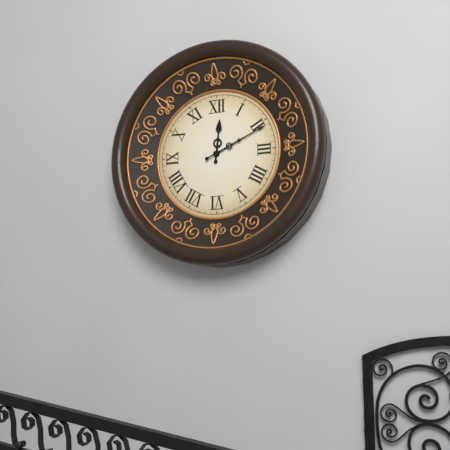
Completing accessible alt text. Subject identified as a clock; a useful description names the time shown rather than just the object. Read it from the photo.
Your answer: 12:11
